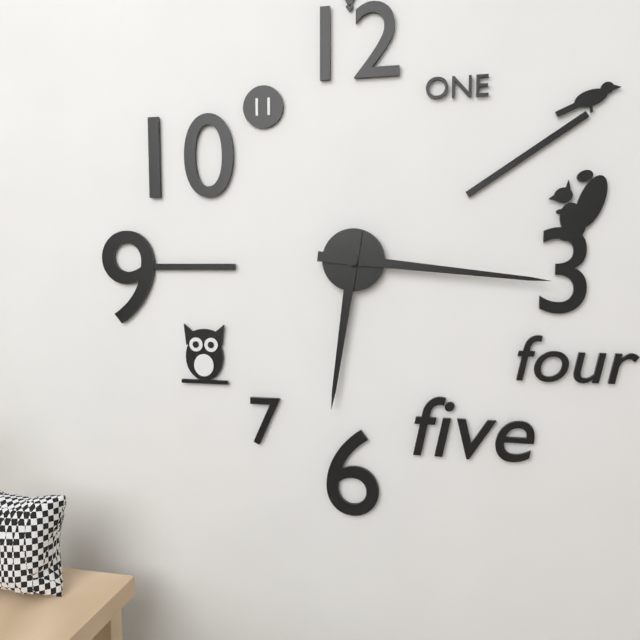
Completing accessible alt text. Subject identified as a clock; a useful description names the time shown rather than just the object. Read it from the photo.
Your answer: 6:16
